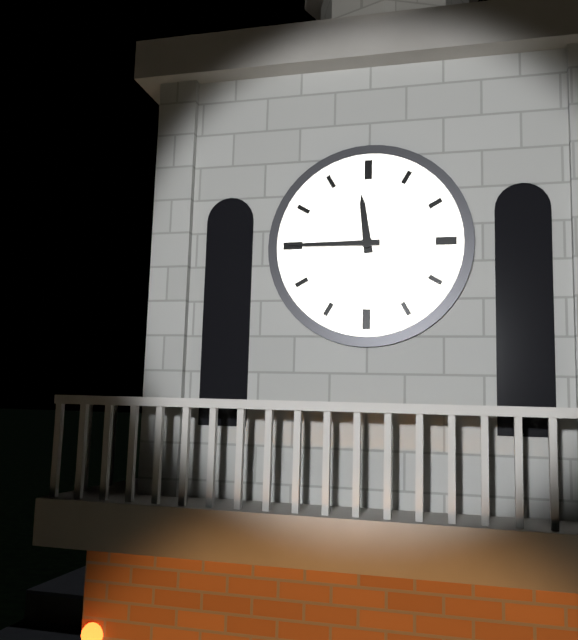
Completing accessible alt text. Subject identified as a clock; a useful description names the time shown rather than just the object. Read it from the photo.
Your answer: 11:45
